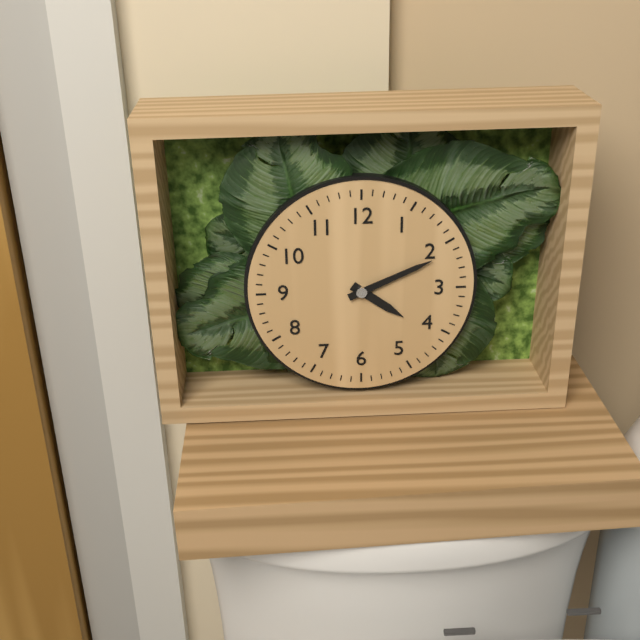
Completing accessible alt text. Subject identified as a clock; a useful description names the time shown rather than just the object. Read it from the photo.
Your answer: 4:11
